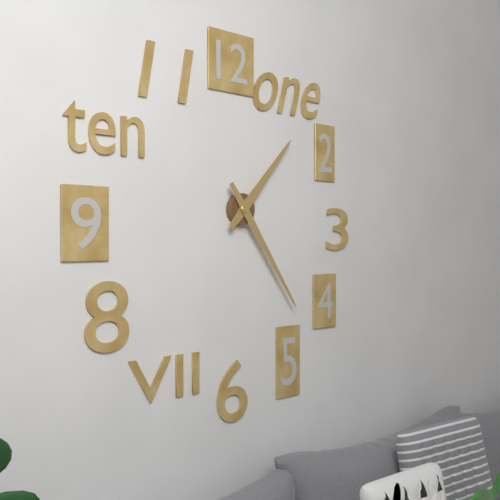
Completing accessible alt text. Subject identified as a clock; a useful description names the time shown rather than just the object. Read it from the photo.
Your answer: 1:24
